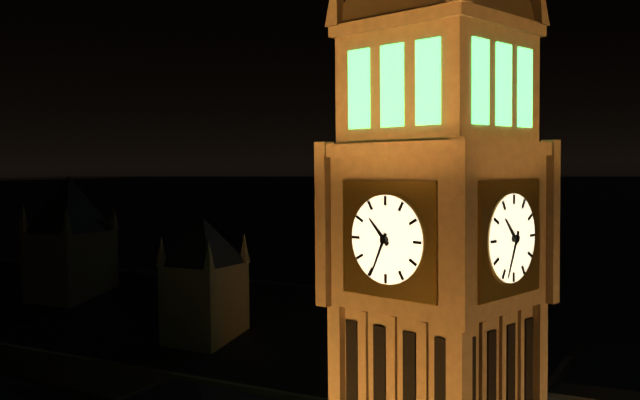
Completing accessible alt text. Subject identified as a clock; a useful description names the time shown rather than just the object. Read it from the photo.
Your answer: 10:34
